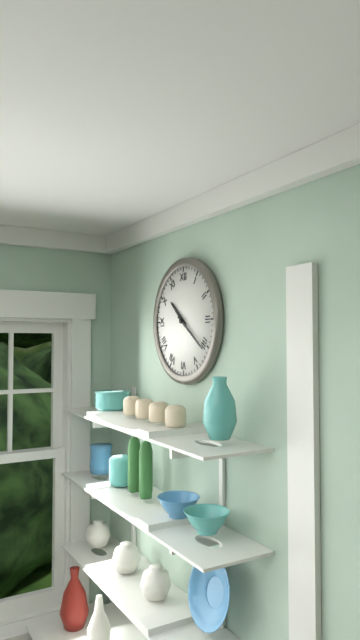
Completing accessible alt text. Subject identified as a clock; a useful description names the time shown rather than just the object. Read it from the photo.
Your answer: 10:21
